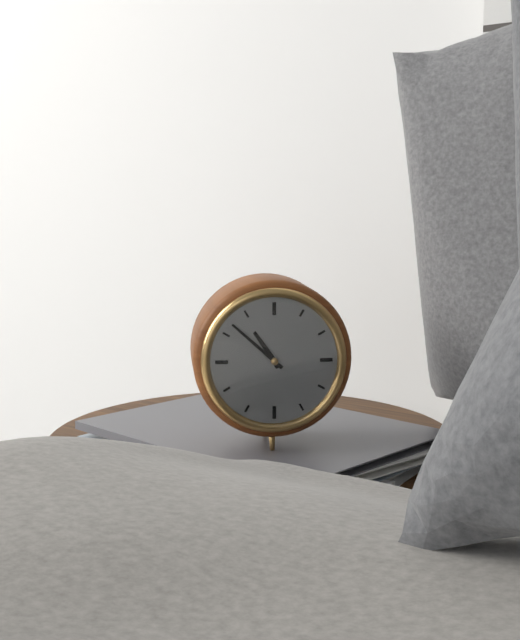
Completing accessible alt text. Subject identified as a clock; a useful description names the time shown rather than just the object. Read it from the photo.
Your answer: 10:52
